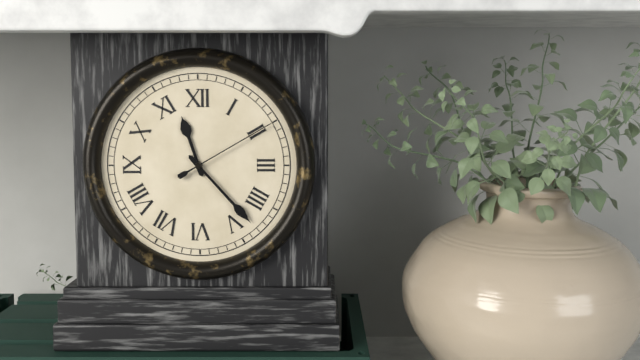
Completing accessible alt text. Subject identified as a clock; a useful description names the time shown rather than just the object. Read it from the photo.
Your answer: 11:23:10
